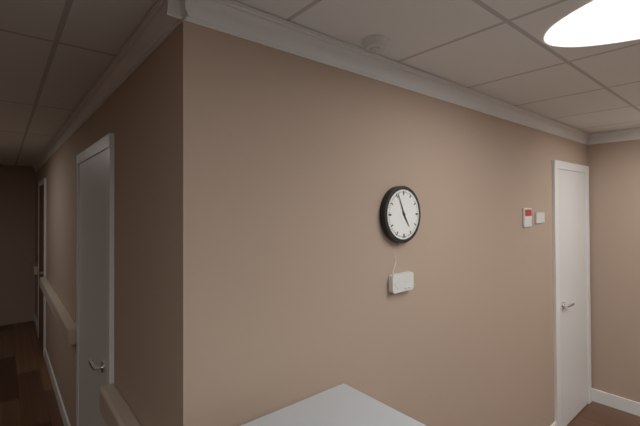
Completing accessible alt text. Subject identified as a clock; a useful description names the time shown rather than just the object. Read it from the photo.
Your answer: 4:56
